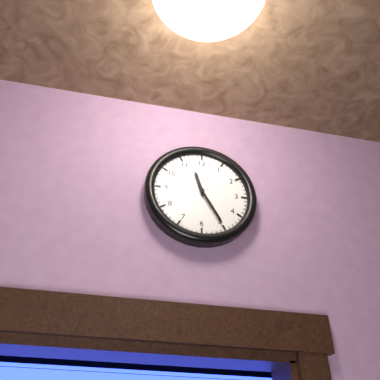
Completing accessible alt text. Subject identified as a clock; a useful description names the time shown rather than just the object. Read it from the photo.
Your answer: 11:25
